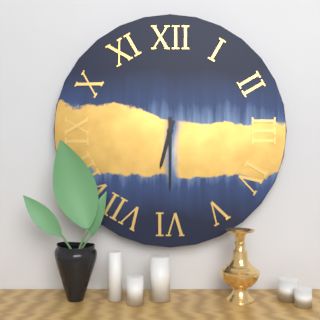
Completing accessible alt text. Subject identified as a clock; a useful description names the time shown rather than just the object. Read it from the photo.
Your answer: 6:30
